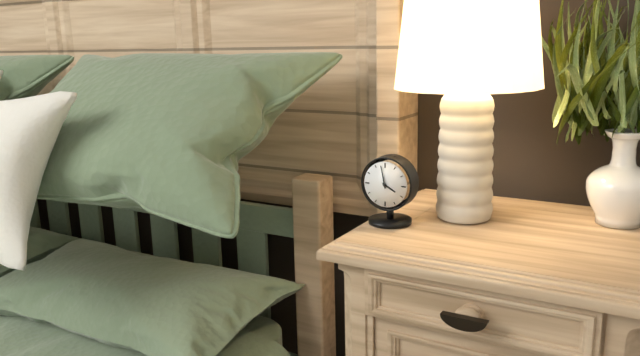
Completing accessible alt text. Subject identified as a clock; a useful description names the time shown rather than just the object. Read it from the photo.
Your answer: 3:58
